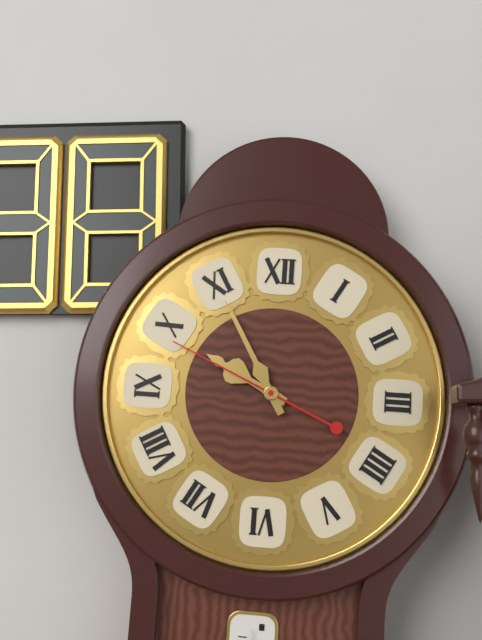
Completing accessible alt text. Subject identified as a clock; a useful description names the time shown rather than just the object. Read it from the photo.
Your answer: 9:55:49
